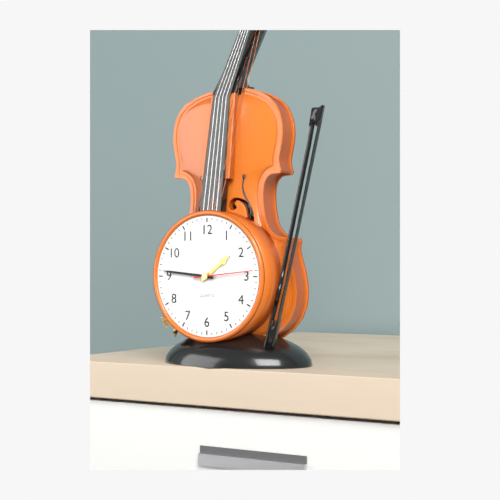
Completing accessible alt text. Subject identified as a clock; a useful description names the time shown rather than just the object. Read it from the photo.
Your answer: 1:46:14
